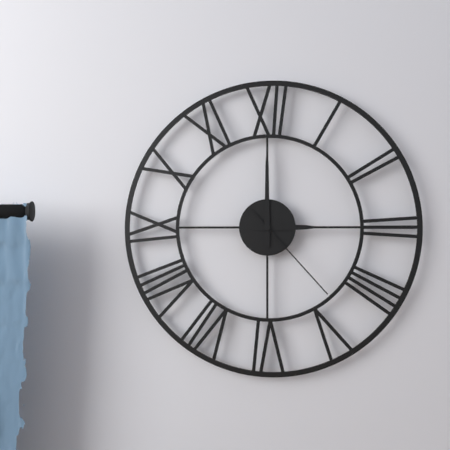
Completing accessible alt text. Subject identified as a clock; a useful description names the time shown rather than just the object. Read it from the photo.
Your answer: 3:00:23
